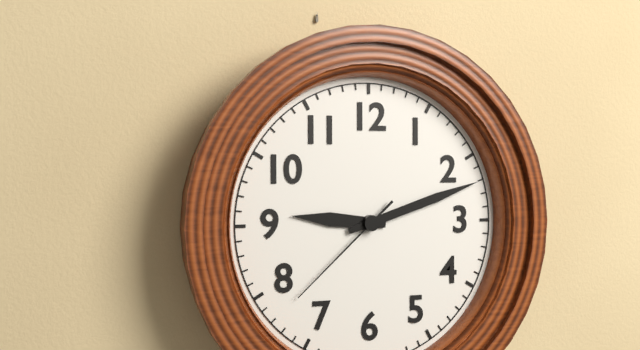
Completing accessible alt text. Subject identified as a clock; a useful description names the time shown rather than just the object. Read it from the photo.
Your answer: 9:12:38
